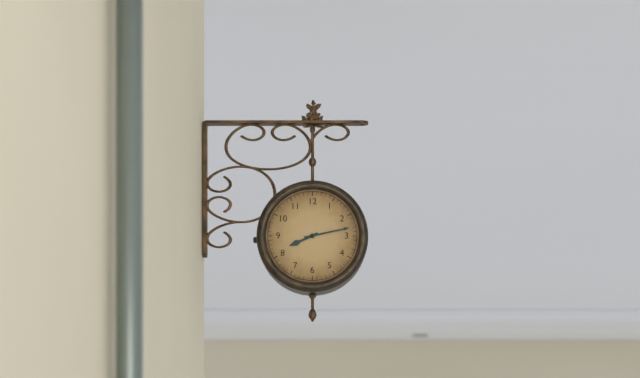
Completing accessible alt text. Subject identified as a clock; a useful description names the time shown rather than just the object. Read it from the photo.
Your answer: 8:13
